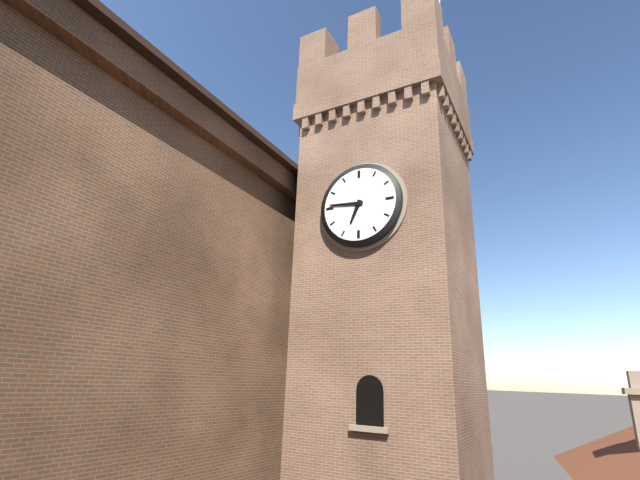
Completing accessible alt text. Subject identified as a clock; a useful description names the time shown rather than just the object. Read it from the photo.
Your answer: 6:46
